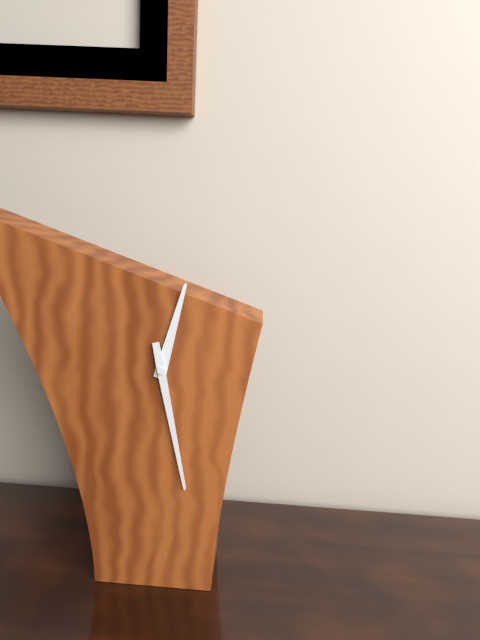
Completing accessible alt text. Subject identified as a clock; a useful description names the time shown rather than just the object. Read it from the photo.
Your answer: 12:28
